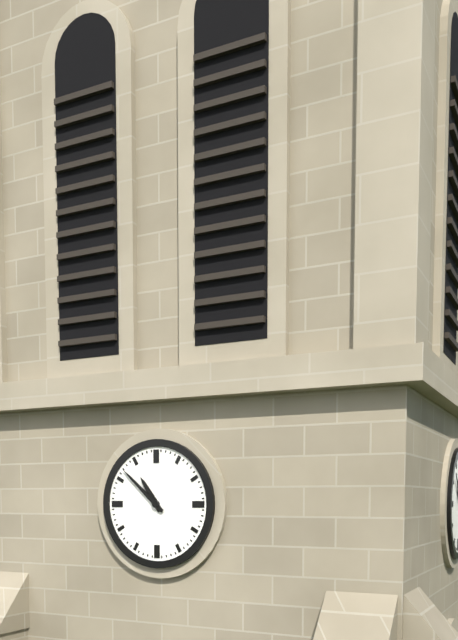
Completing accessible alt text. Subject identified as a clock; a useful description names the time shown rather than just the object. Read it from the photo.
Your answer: 10:52
